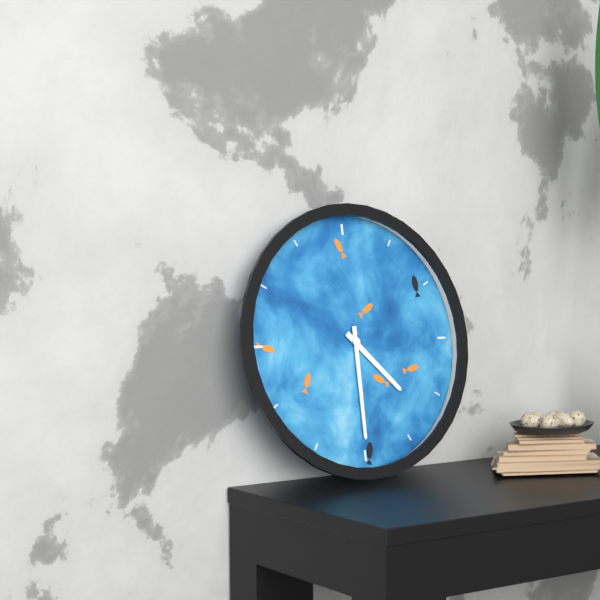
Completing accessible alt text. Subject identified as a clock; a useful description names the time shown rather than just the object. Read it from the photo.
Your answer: 4:30
